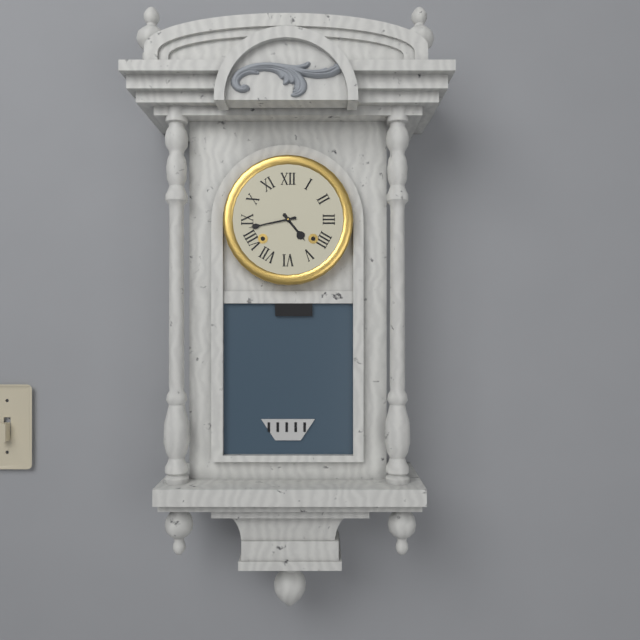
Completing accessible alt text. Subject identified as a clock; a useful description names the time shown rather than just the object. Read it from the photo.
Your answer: 4:43
